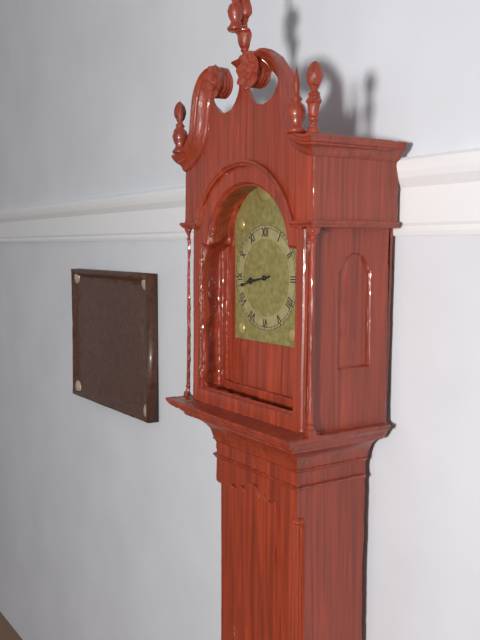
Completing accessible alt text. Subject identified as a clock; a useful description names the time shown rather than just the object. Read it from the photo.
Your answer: 8:43
